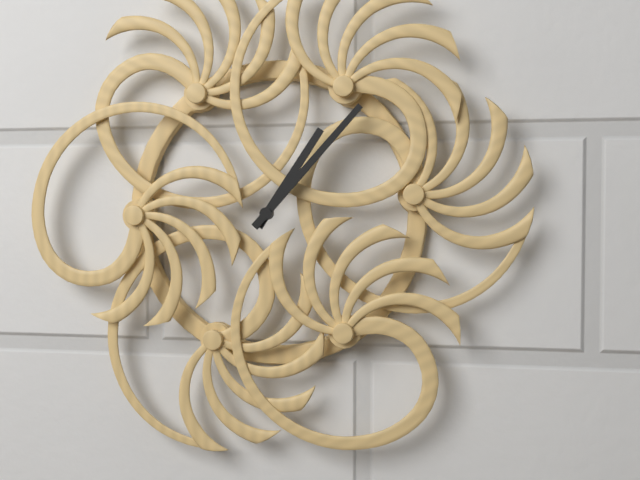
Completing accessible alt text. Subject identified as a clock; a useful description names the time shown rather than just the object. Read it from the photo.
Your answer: 1:07
